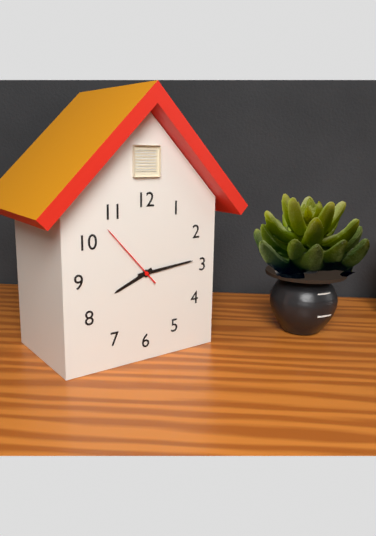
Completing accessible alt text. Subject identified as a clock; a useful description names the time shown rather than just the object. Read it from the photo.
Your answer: 8:14:53
